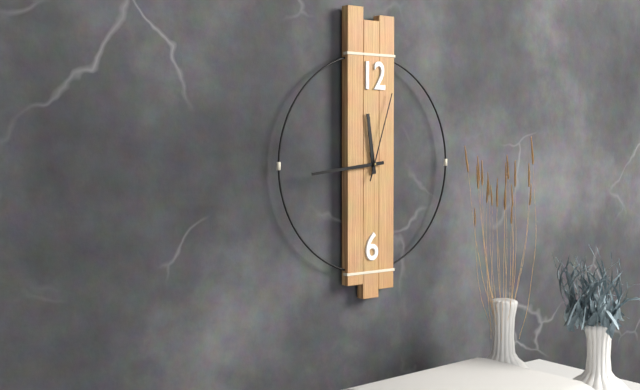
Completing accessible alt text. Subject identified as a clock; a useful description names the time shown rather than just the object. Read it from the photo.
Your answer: 11:44:03
